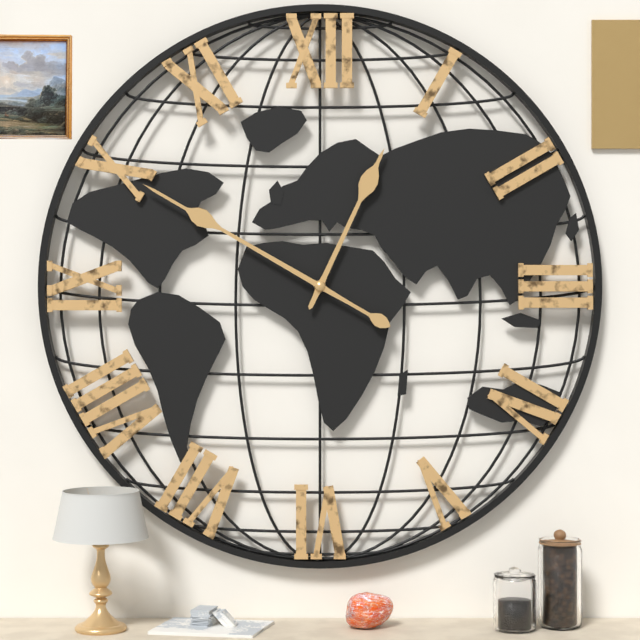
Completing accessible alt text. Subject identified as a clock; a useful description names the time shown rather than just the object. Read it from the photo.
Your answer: 12:50
